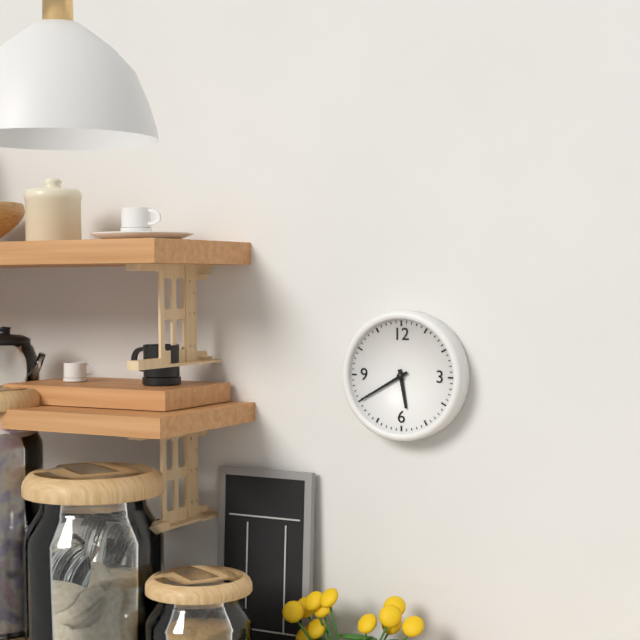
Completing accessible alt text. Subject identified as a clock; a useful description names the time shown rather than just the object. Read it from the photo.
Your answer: 5:40
